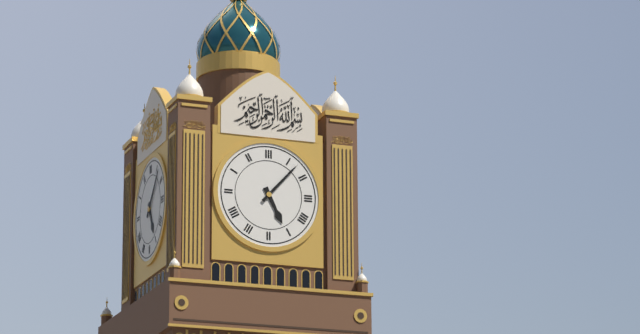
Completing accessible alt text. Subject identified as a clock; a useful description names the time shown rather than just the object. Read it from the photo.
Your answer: 5:07
